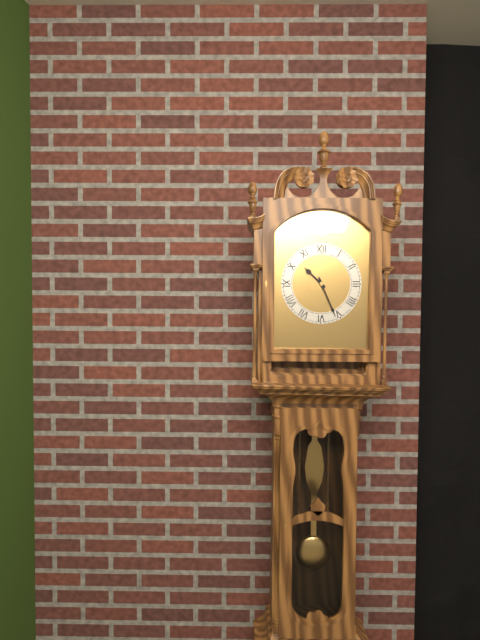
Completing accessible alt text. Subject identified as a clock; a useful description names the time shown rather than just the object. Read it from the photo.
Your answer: 10:26
